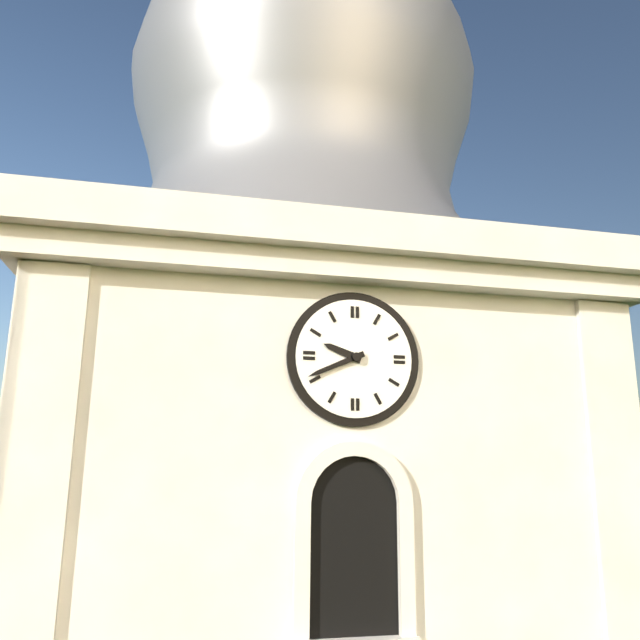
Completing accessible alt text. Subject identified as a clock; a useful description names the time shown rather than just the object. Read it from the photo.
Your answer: 9:41
